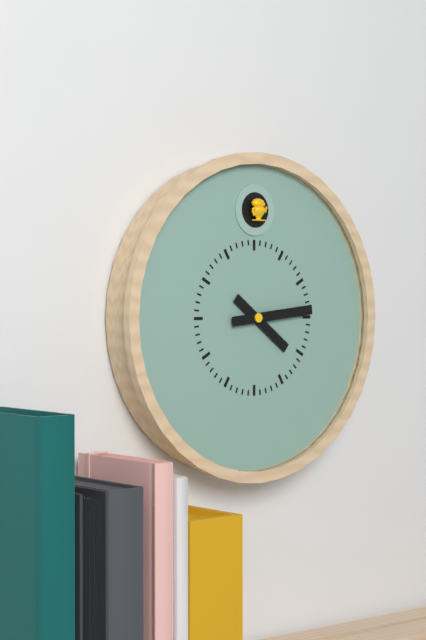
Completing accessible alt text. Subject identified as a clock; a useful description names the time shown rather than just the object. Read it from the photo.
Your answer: 4:14
